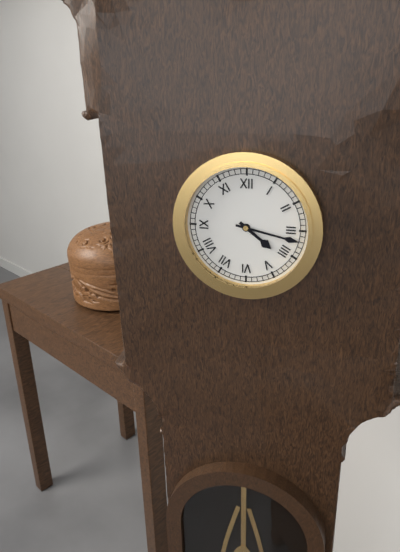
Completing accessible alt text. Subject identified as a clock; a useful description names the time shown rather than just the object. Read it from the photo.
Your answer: 4:17
